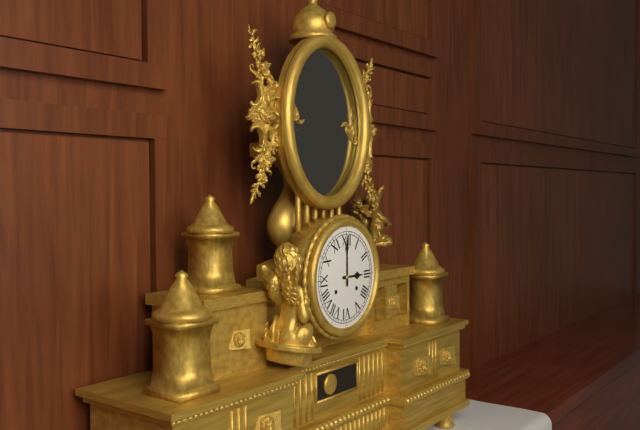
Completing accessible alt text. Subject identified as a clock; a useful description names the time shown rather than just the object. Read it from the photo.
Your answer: 3:00
